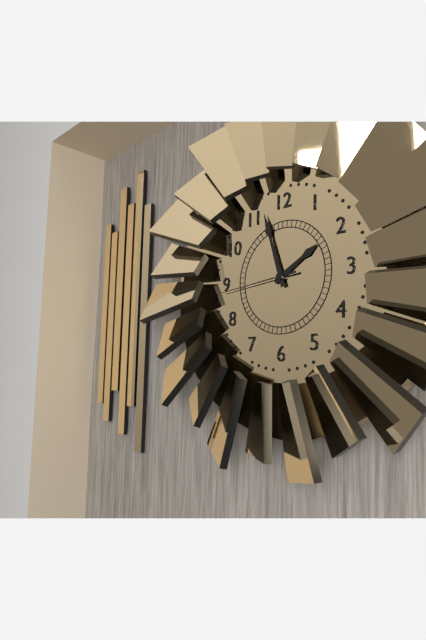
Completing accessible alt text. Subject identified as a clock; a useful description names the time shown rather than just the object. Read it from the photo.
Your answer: 1:57:44
